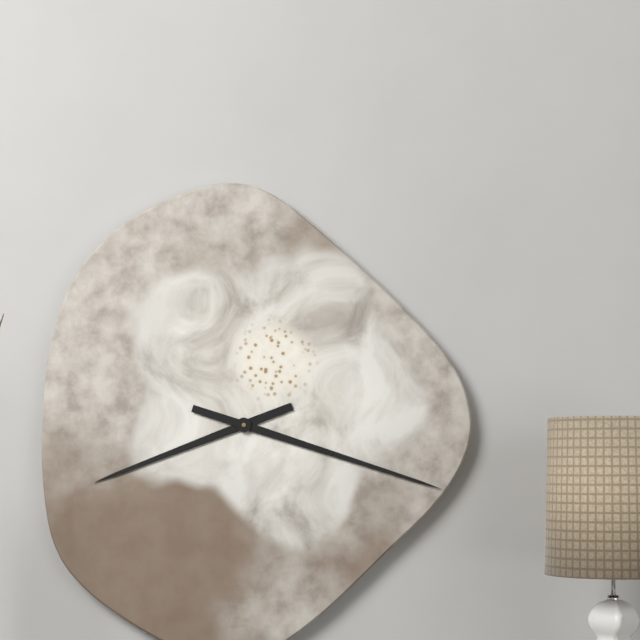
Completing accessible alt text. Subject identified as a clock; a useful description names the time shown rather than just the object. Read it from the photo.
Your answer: 8:18
